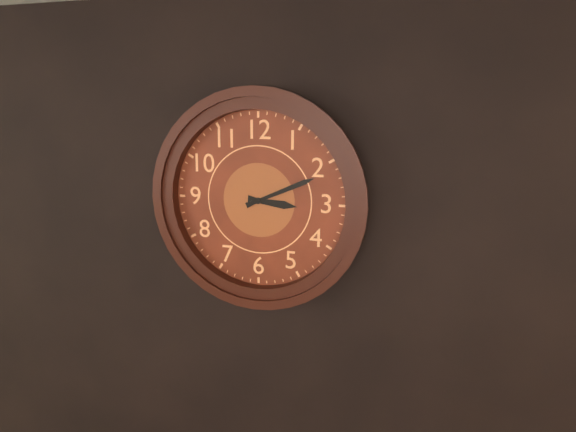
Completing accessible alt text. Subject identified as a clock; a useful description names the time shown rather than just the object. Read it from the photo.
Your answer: 3:11
